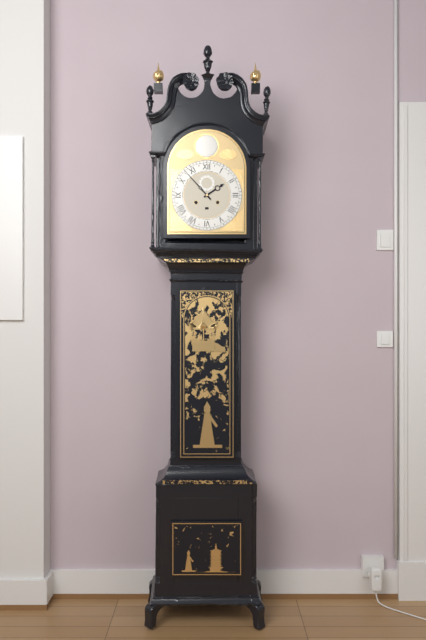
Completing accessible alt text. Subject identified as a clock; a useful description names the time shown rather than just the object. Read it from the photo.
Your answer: 1:53
